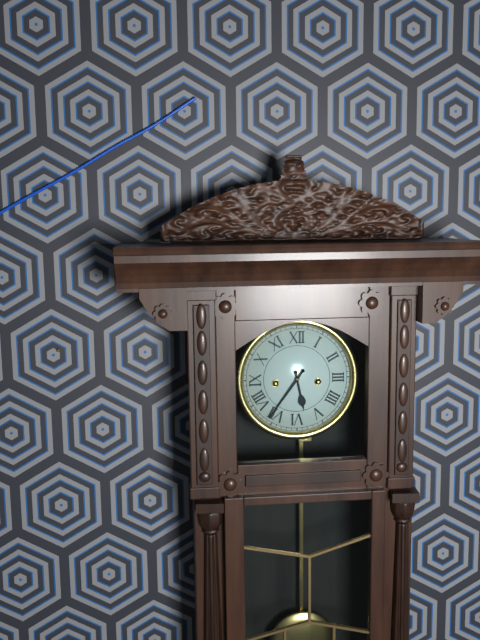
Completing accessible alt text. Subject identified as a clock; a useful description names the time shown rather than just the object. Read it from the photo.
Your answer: 5:36
